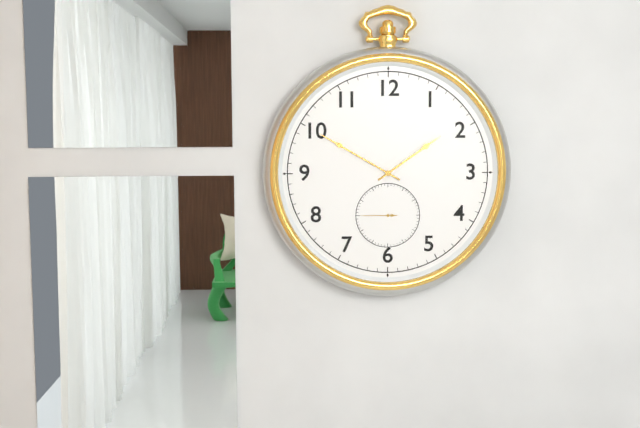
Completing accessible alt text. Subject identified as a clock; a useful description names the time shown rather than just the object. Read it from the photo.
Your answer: 1:50
